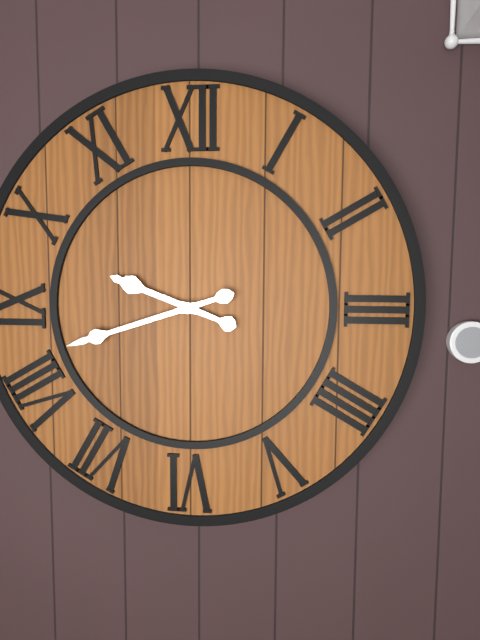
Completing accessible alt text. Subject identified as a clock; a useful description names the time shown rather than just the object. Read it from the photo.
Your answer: 9:42
